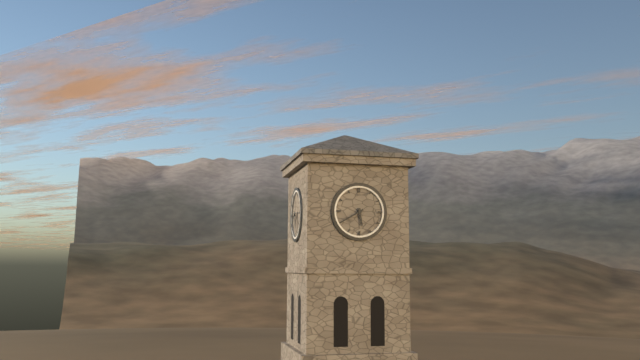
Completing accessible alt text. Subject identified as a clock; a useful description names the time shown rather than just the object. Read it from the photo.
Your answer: 5:40
